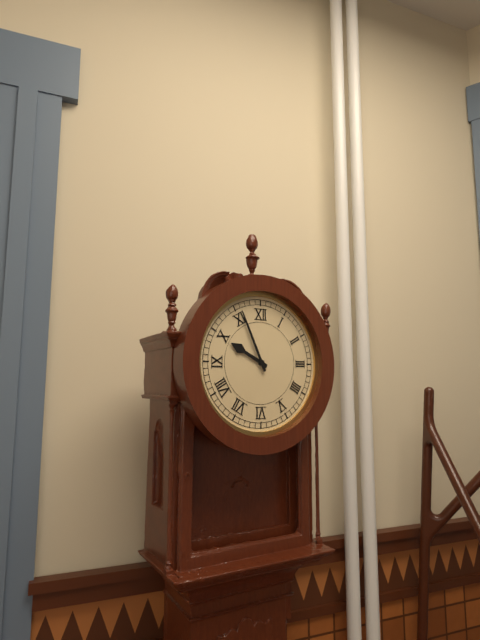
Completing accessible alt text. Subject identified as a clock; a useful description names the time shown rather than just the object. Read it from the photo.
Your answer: 9:56
